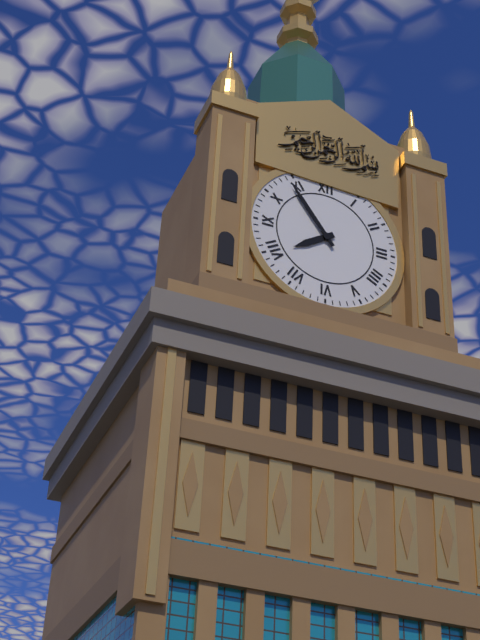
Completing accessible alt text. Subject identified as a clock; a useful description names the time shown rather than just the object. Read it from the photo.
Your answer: 7:54
